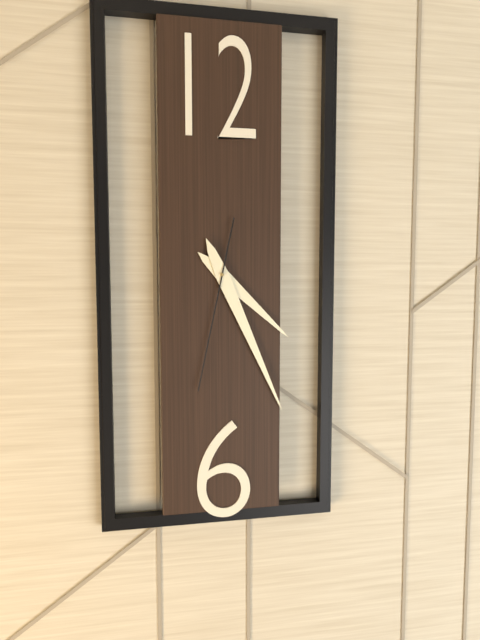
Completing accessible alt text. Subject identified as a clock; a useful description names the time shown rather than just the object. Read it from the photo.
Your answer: 4:26:32
